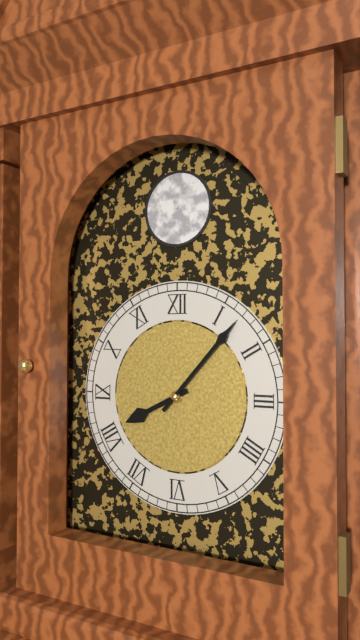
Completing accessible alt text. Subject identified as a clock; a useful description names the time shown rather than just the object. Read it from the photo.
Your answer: 8:07
